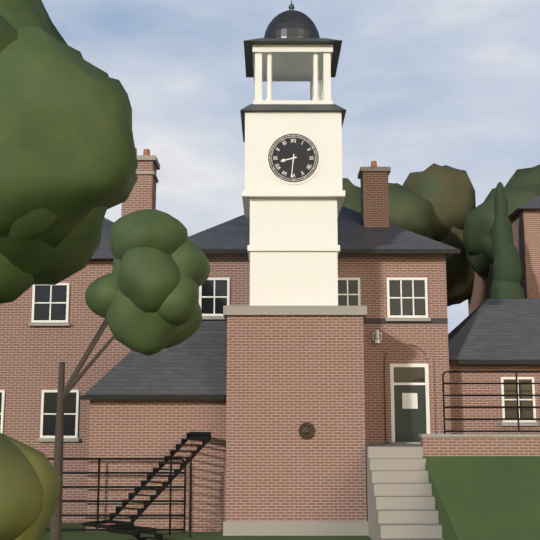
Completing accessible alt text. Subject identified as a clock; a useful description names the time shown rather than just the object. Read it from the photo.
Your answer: 8:31
